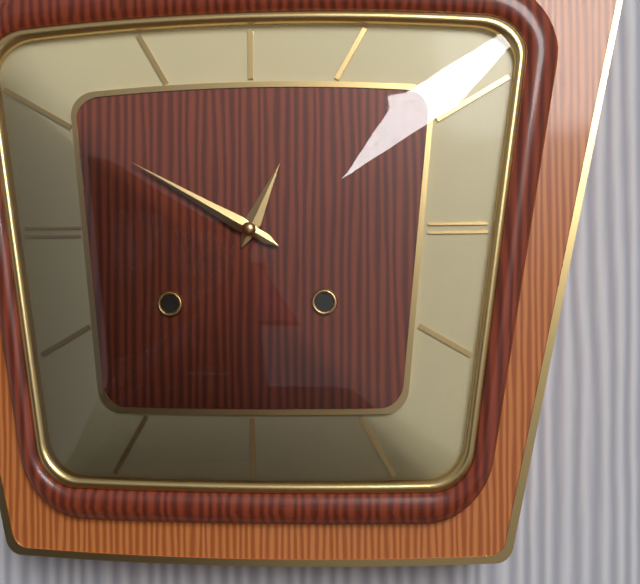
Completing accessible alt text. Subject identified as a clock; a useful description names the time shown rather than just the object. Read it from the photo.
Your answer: 12:50
